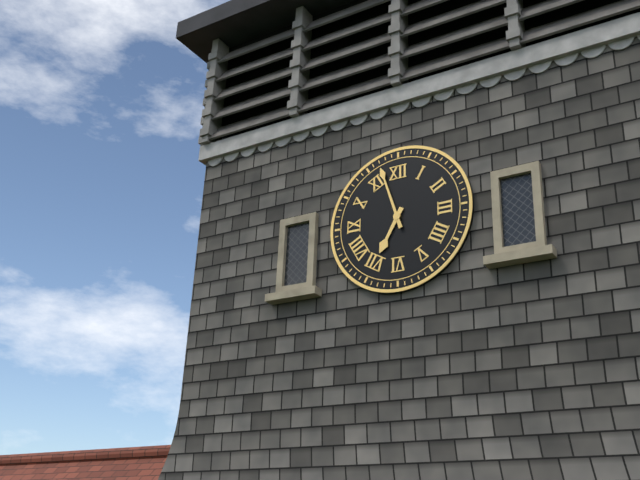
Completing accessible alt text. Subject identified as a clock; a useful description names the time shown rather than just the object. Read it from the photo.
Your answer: 6:57
